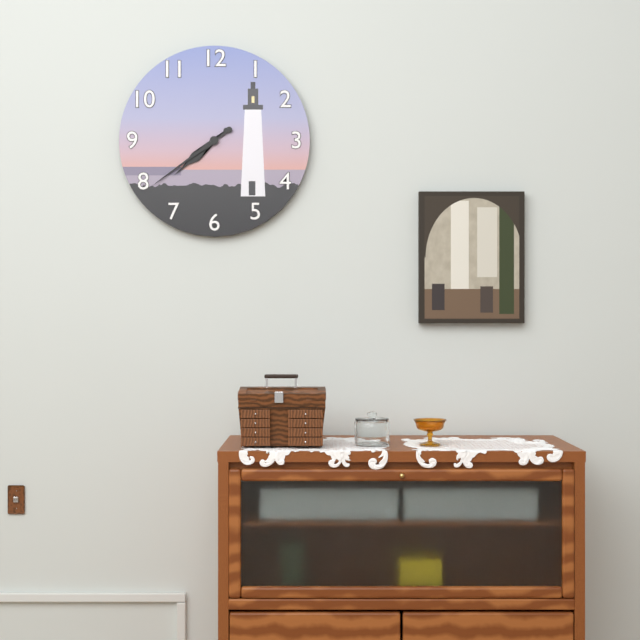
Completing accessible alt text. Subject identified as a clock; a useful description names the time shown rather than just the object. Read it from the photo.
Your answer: 7:39
